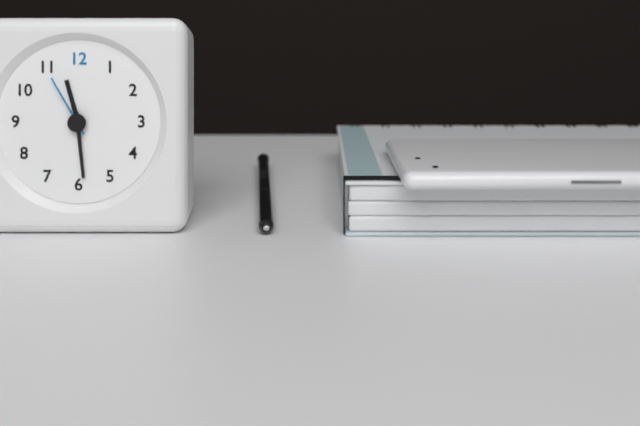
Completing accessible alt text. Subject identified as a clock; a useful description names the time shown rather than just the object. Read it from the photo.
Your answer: 11:29:55
